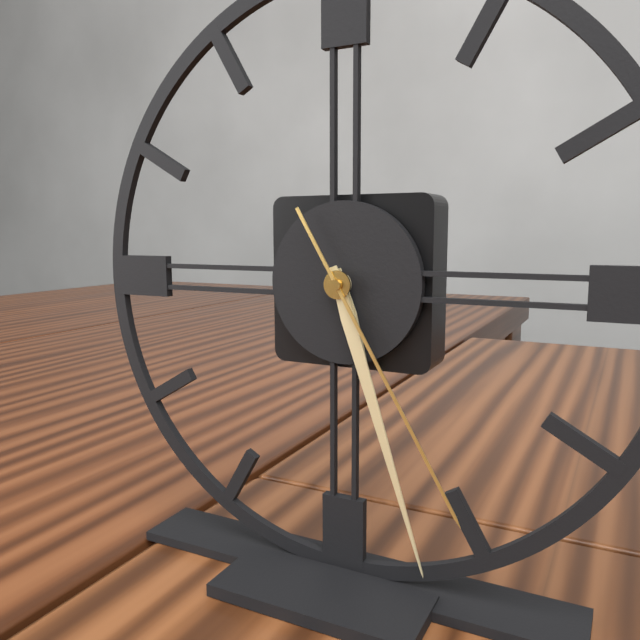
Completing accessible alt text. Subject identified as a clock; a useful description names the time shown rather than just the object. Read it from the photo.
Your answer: 5:27:25
